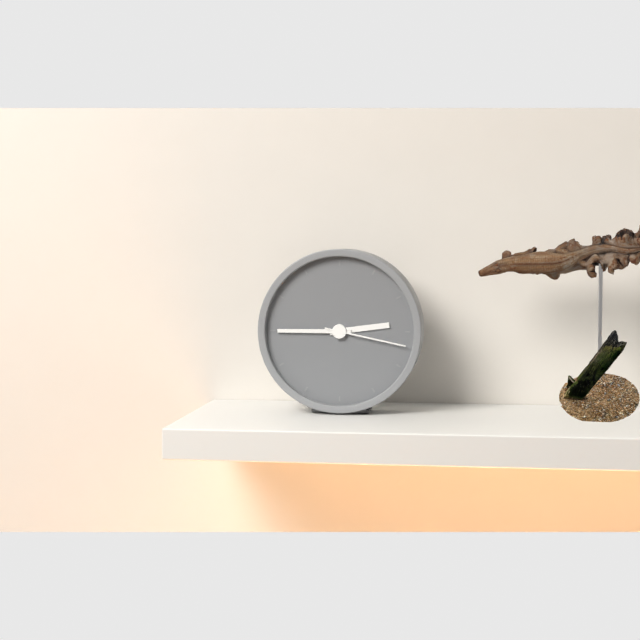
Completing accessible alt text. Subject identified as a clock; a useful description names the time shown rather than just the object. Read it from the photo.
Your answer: 2:45:17
